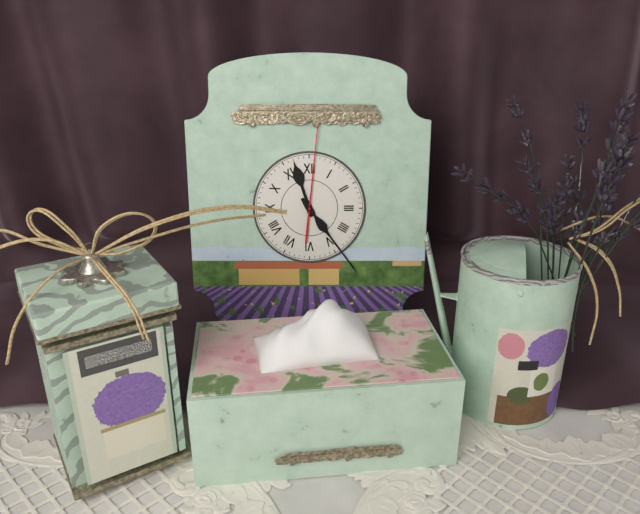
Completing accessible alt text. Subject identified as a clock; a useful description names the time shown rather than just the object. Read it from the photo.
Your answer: 11:24:01
